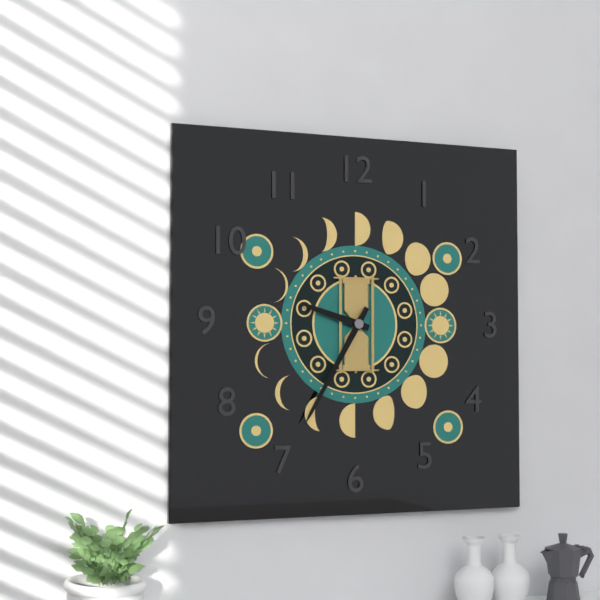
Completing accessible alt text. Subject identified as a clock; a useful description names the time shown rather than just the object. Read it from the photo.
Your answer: 9:35
